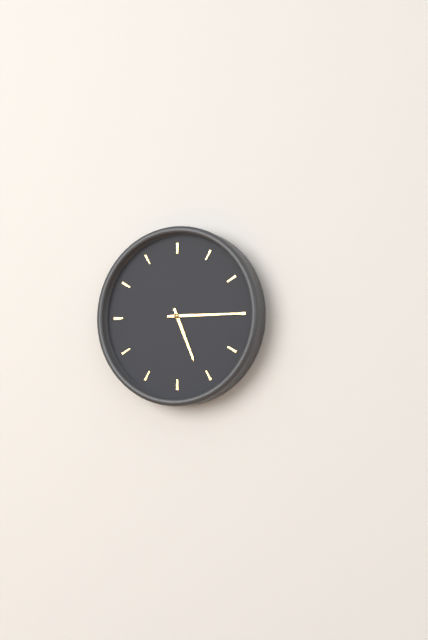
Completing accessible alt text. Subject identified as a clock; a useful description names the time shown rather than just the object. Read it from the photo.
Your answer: 5:15
